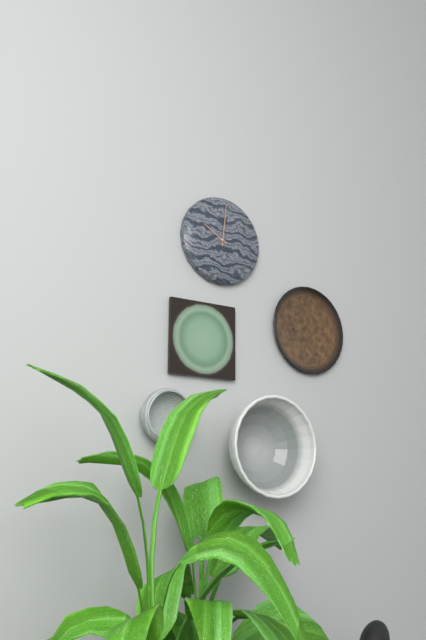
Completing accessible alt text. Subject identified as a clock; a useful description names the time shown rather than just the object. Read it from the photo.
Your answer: 10:01
